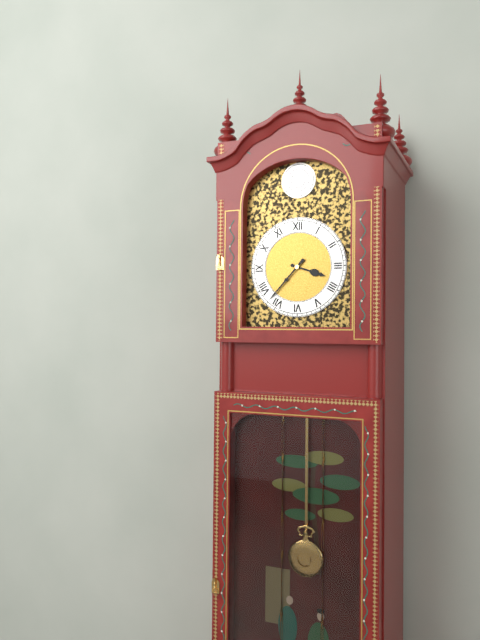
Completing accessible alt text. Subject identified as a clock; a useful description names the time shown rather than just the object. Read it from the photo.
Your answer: 3:37
